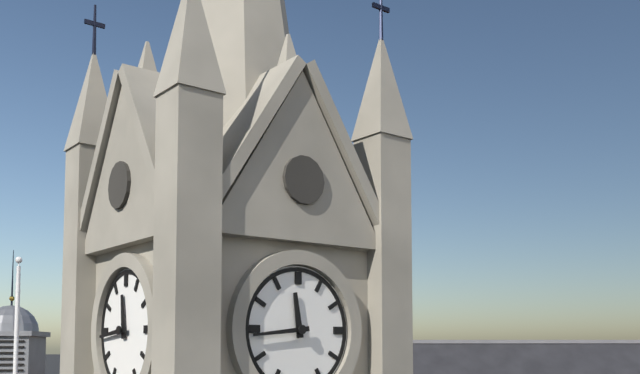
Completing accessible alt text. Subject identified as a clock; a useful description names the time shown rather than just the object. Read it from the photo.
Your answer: 11:44
